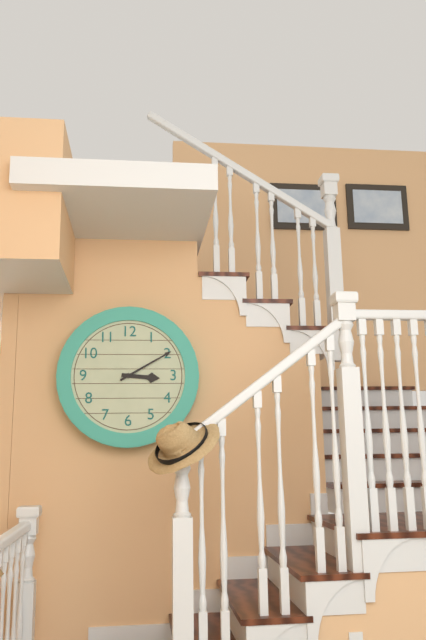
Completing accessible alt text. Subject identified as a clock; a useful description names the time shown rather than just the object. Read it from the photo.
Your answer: 3:10
